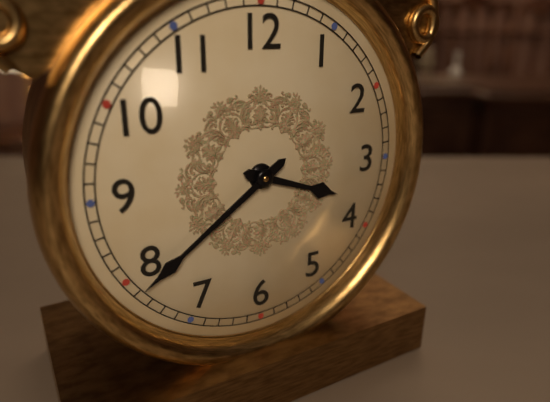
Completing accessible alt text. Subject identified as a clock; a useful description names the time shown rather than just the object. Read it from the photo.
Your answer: 3:39
